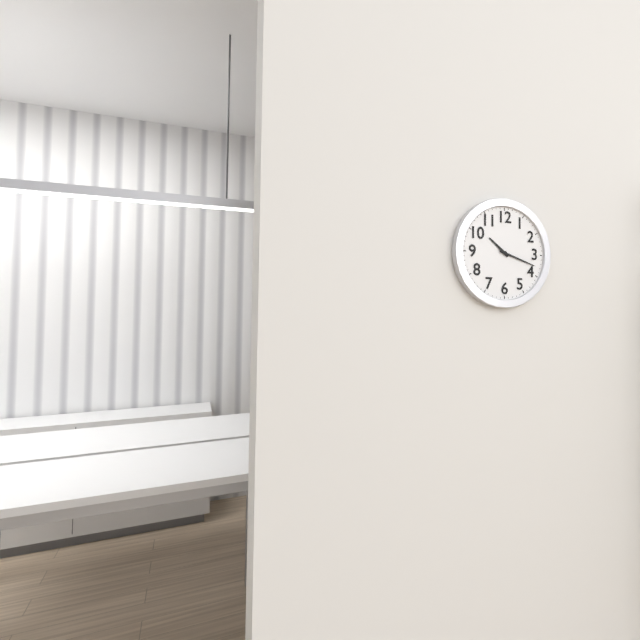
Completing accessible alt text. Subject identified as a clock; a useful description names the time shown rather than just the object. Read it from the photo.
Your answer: 10:18
